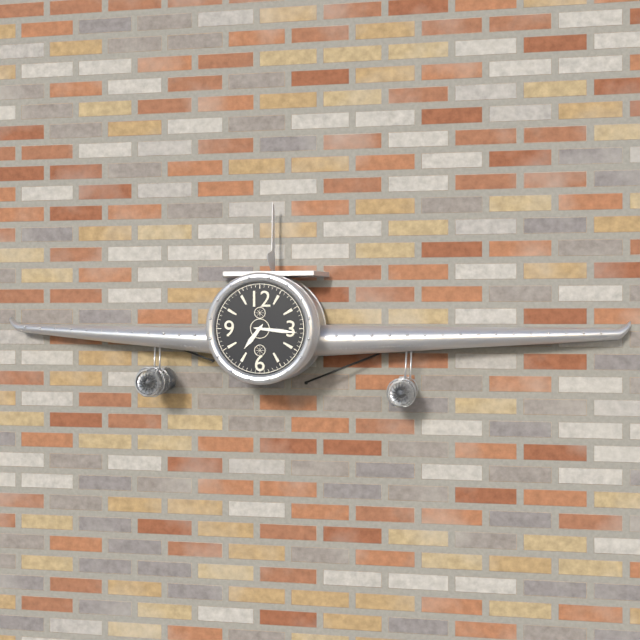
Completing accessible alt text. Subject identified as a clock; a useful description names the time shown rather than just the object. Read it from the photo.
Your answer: 7:16
